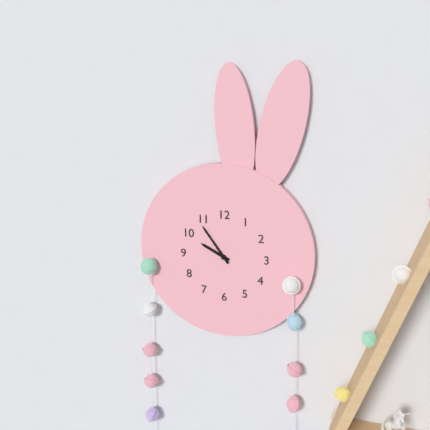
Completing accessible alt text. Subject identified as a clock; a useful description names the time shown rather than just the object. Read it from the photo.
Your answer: 9:54
